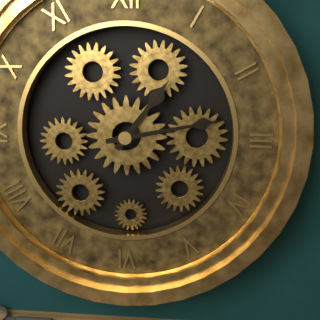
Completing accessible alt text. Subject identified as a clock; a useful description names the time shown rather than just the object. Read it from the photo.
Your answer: 1:13
